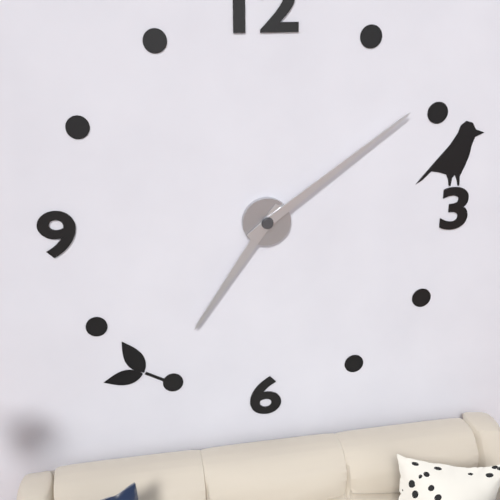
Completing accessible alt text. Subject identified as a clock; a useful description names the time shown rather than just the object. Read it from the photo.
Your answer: 7:09
